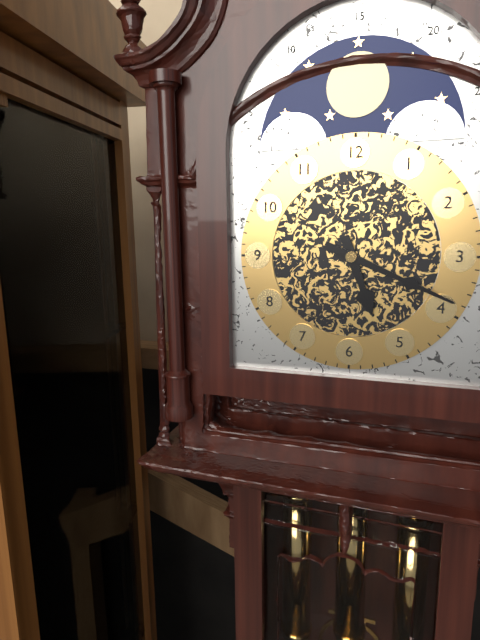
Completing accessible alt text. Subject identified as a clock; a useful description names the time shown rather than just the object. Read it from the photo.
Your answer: 5:19
